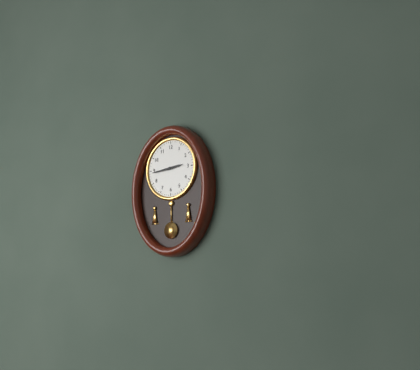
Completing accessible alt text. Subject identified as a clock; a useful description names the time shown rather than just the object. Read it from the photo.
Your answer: 2:44
